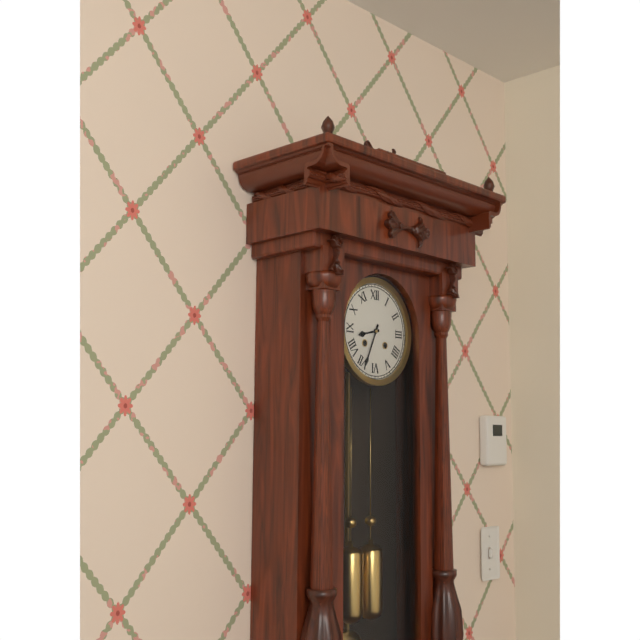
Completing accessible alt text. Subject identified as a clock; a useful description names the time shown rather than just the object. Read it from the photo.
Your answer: 8:34
